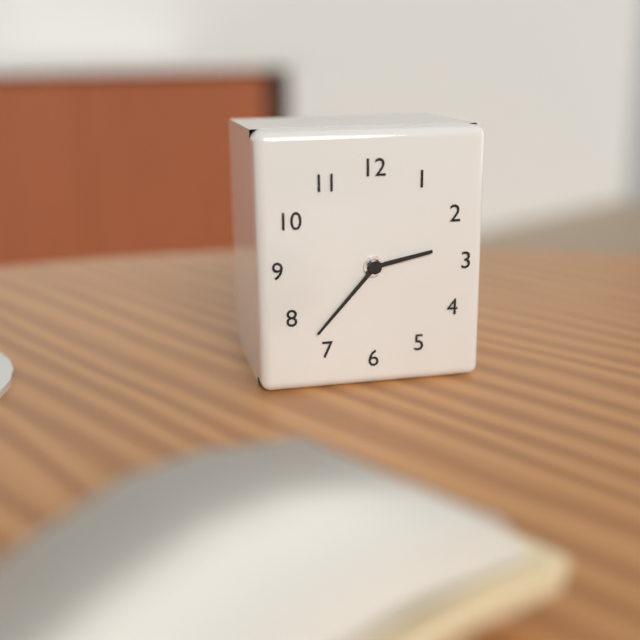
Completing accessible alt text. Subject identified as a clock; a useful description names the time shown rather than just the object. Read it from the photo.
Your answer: 2:37
